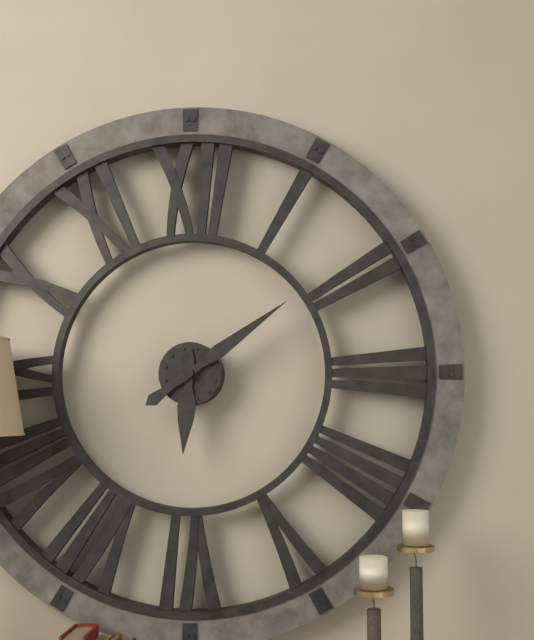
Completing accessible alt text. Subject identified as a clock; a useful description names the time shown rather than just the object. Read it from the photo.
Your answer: 6:09
